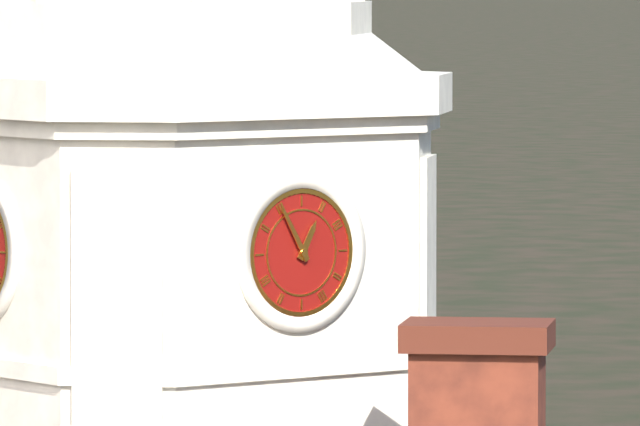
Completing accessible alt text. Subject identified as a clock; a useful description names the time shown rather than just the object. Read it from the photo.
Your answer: 12:55
